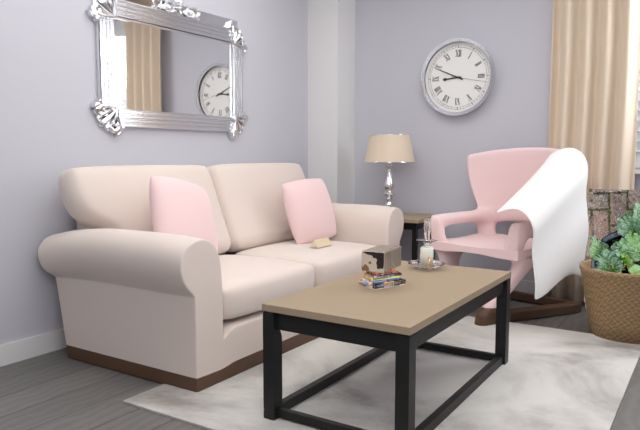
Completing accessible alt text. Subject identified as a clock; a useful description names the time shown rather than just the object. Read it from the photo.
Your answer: 8:49
